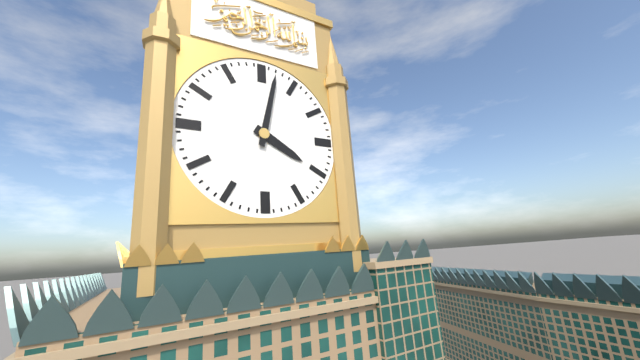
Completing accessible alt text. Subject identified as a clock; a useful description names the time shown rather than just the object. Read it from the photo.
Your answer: 4:02
